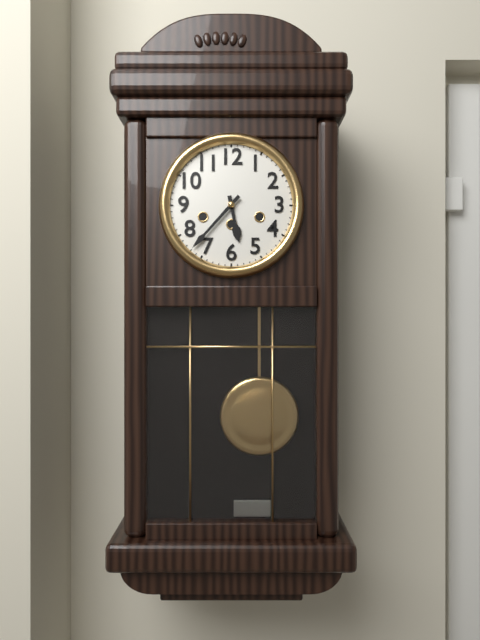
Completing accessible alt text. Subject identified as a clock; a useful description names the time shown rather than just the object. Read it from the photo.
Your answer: 5:37
